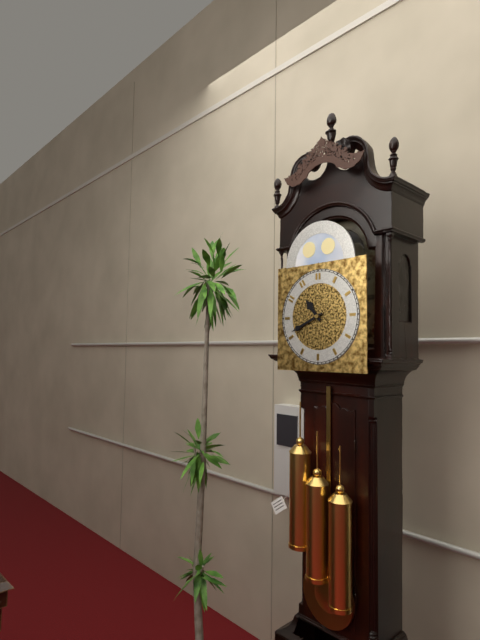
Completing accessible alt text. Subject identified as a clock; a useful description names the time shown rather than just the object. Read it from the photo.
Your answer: 10:41
